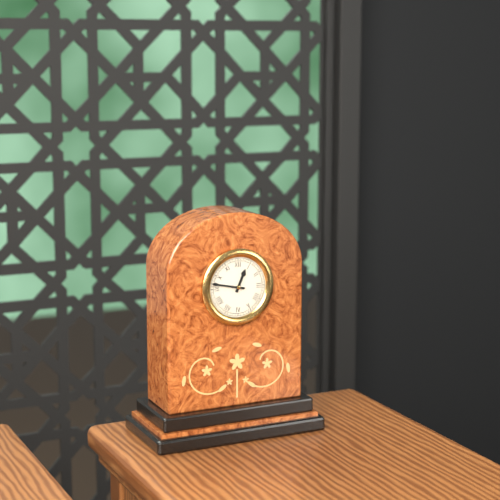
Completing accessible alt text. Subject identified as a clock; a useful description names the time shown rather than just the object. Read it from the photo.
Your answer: 12:47
